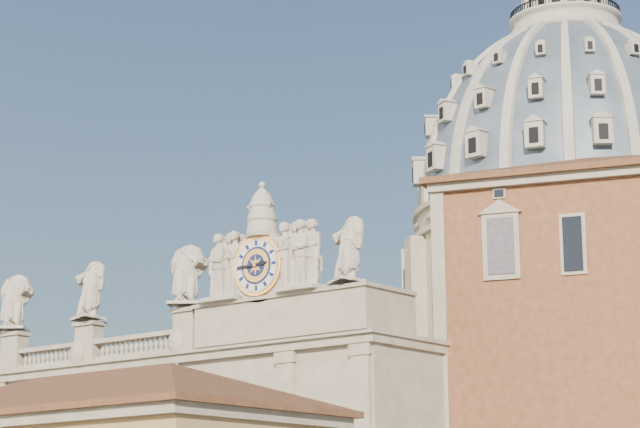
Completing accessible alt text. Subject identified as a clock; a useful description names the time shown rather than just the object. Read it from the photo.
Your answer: 2:45
